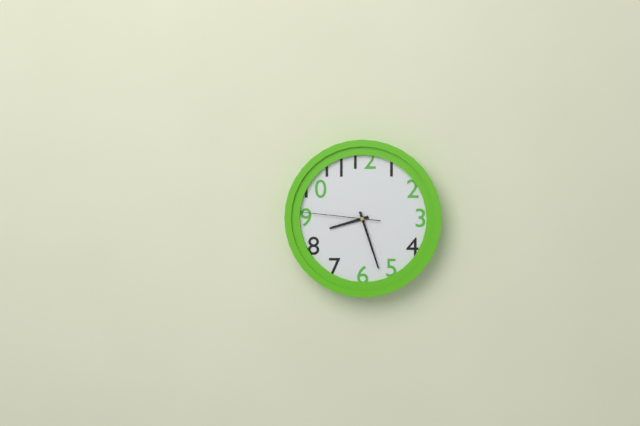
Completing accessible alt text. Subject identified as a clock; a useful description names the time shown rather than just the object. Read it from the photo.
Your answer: 8:27:46
